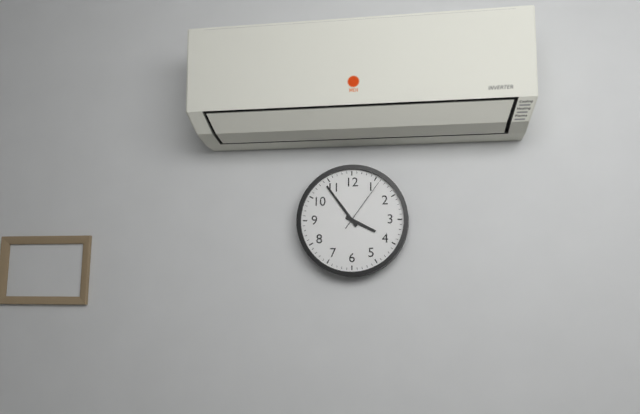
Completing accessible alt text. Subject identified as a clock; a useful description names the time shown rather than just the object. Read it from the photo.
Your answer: 3:54:06
